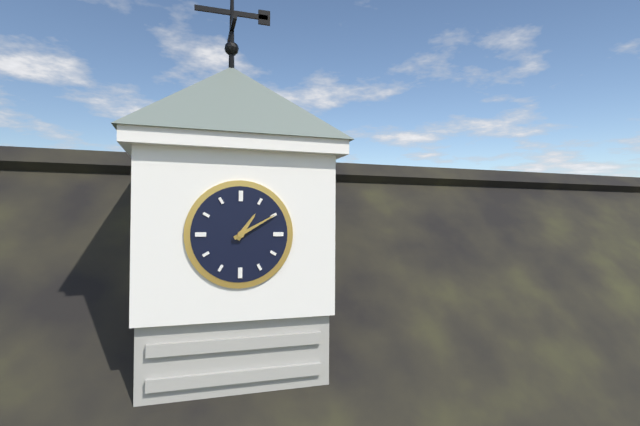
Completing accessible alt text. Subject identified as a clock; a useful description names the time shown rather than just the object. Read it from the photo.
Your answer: 1:10
